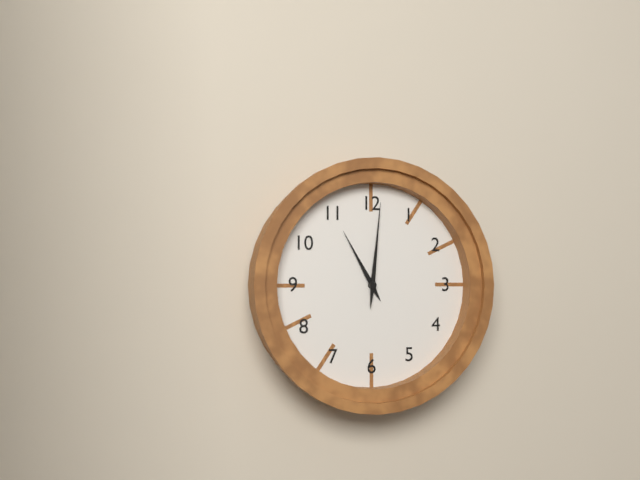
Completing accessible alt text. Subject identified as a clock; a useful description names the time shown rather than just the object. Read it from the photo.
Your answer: 11:01
